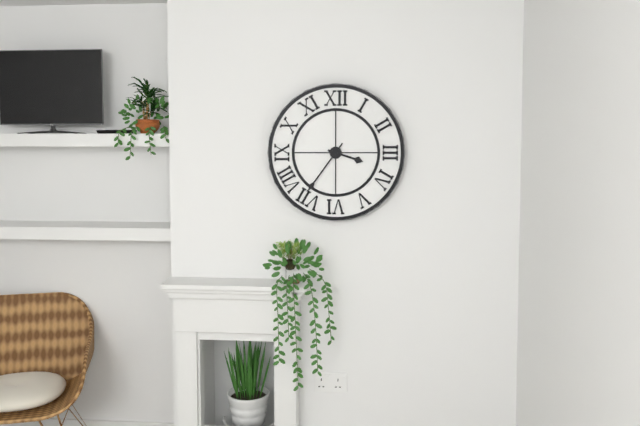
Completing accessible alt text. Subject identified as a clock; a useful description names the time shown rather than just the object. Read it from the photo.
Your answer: 3:36
